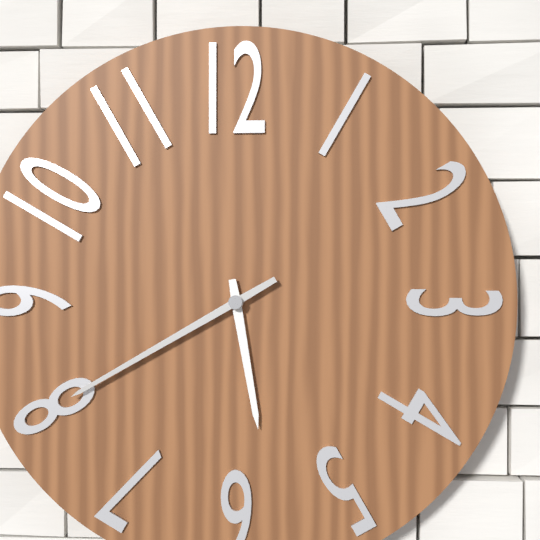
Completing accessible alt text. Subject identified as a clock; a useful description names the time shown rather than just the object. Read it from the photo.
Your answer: 5:40
